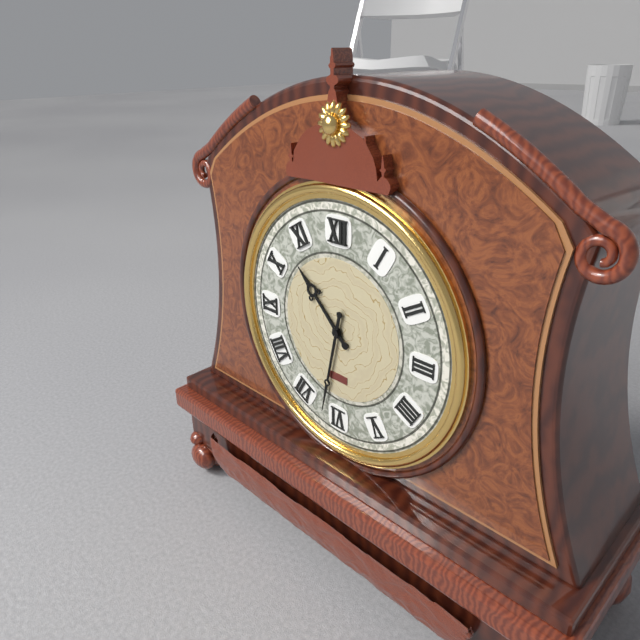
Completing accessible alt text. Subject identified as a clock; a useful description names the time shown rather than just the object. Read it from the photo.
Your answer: 10:32
